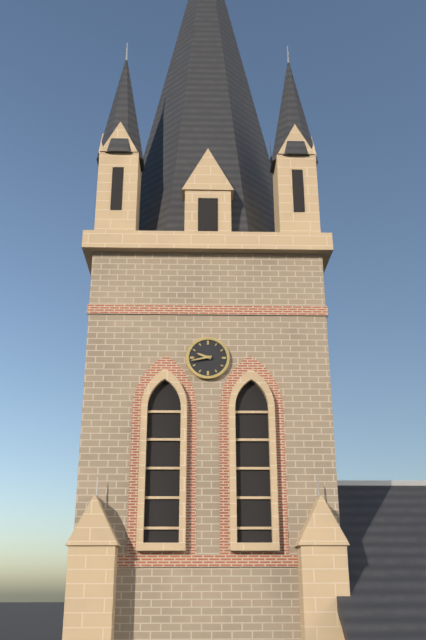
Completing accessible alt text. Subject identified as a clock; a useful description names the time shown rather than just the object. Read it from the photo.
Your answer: 9:43
